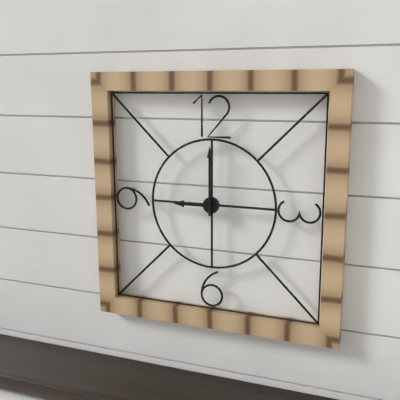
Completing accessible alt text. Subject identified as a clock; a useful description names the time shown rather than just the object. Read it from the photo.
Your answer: 9:00
